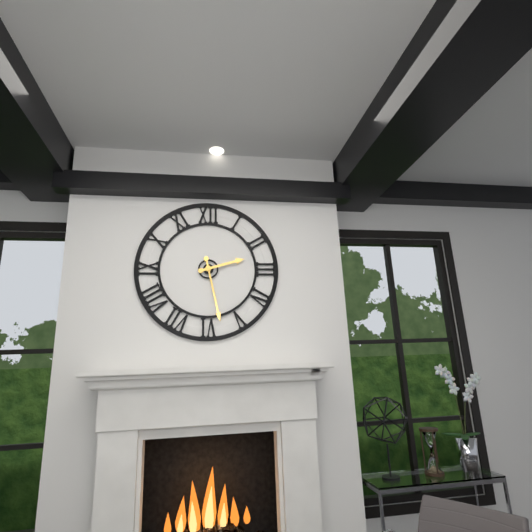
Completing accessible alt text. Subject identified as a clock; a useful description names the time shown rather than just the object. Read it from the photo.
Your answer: 2:28
